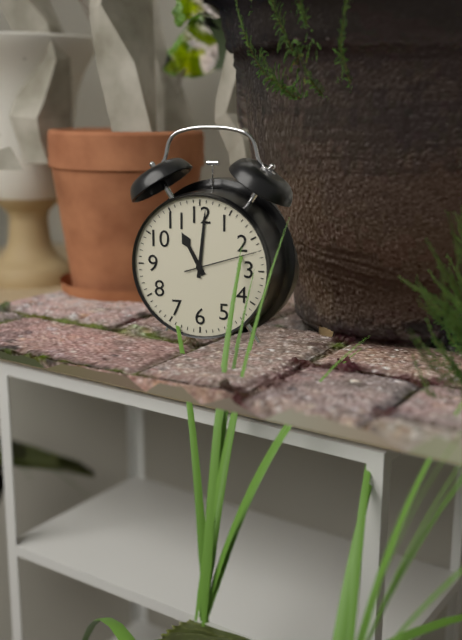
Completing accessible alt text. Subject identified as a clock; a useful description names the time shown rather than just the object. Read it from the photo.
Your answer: 11:01:12
